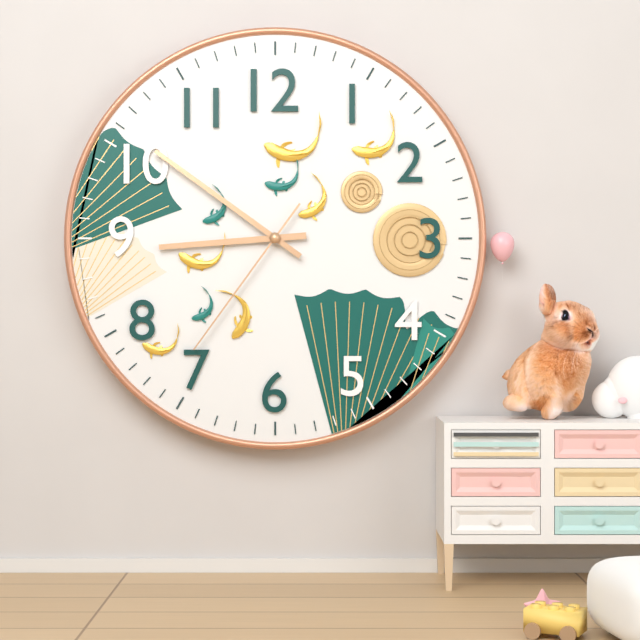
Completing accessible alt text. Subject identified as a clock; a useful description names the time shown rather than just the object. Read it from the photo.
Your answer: 8:51:36
